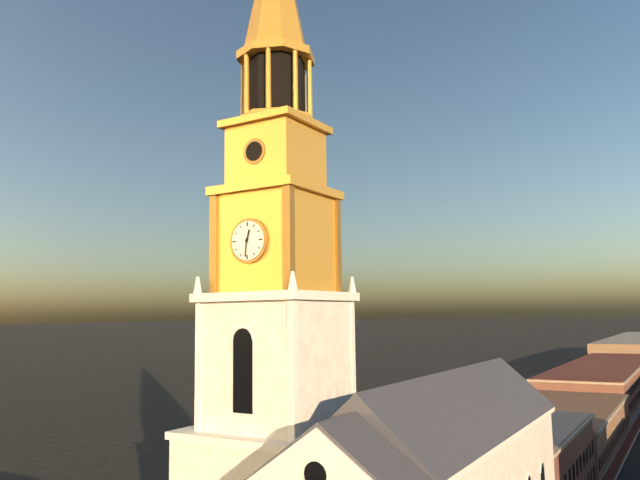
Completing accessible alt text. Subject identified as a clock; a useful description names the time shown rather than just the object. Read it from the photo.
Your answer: 12:31
